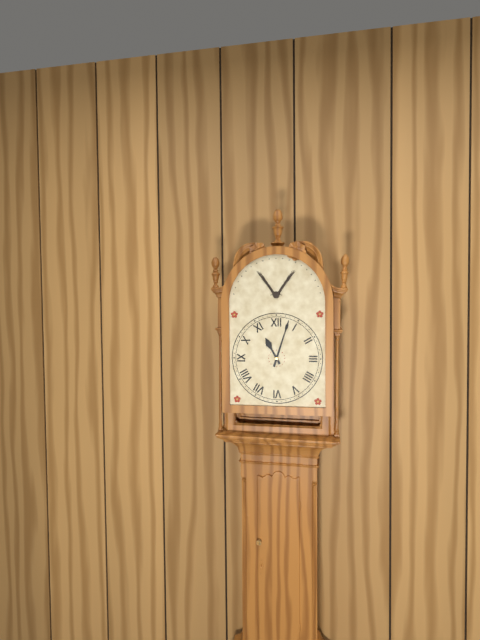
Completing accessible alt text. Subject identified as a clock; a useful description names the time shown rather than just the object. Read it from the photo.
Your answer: 11:03
